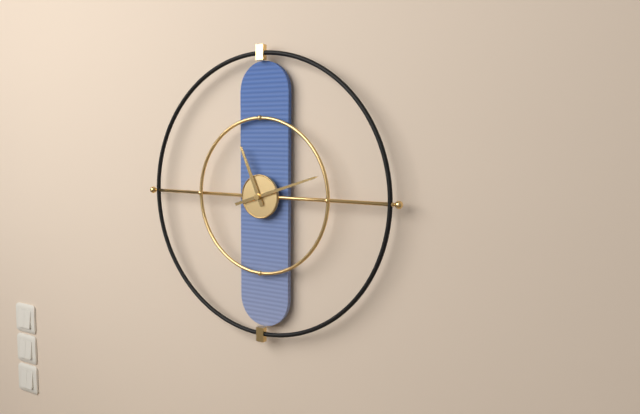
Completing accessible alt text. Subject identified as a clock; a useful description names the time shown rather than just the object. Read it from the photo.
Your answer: 11:12
